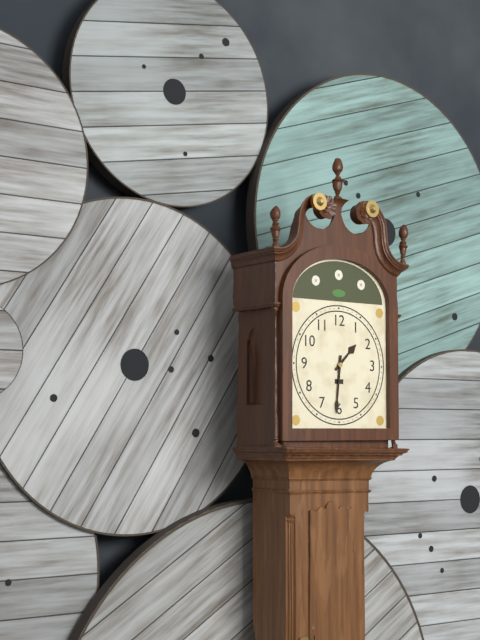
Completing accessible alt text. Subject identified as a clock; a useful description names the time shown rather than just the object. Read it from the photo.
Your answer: 1:31
